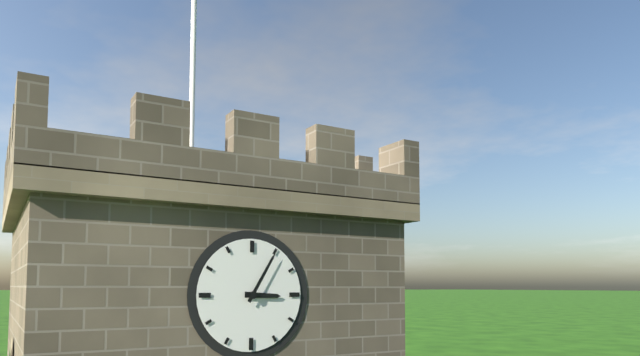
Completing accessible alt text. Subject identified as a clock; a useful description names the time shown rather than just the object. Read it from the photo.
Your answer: 3:05
